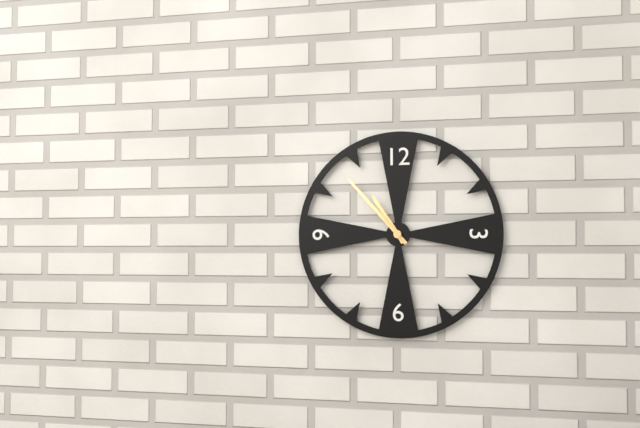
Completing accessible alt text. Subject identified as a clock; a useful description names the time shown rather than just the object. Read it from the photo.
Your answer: 10:53
